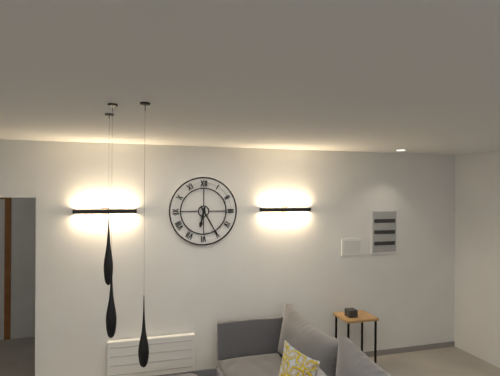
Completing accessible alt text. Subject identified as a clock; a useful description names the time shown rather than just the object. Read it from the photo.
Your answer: 6:25
